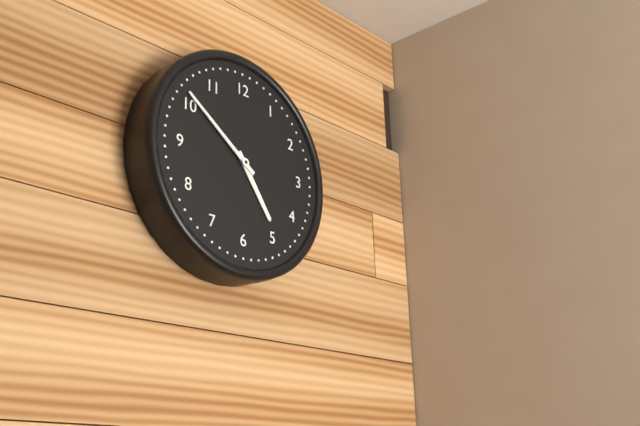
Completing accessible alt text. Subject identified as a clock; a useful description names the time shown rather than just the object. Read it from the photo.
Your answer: 4:51
